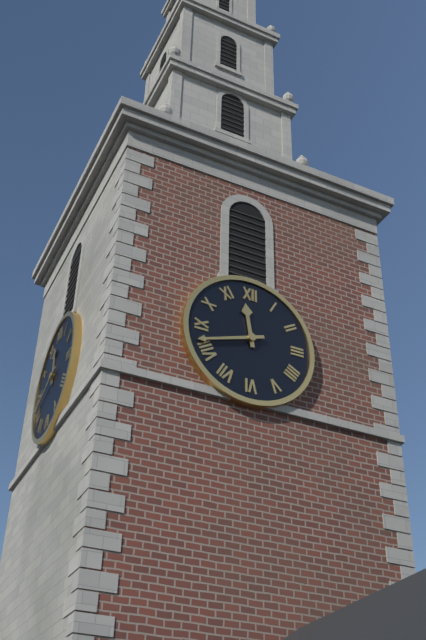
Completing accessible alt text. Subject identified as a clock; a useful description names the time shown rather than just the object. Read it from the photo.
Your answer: 11:42
